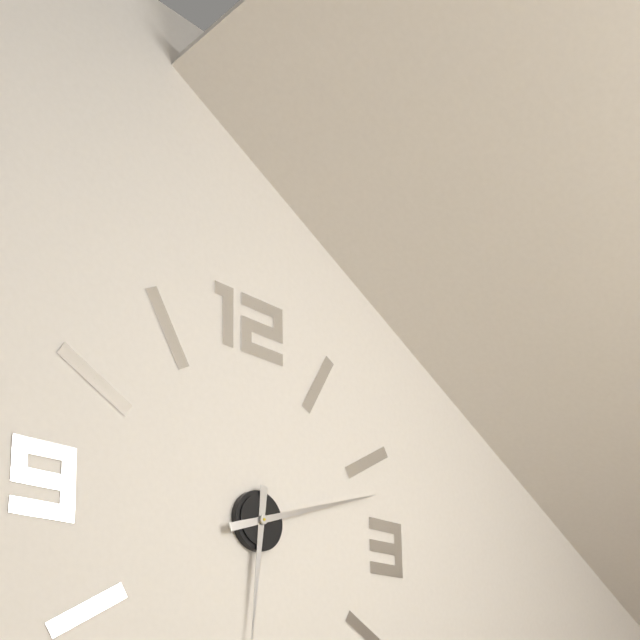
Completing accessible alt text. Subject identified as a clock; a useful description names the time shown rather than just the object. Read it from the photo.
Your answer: 6:12
